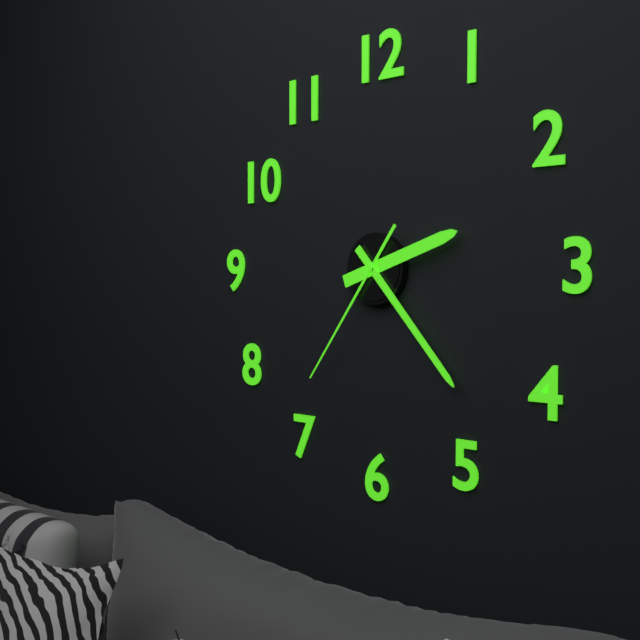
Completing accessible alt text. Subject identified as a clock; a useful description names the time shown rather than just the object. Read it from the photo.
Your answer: 2:23:36
